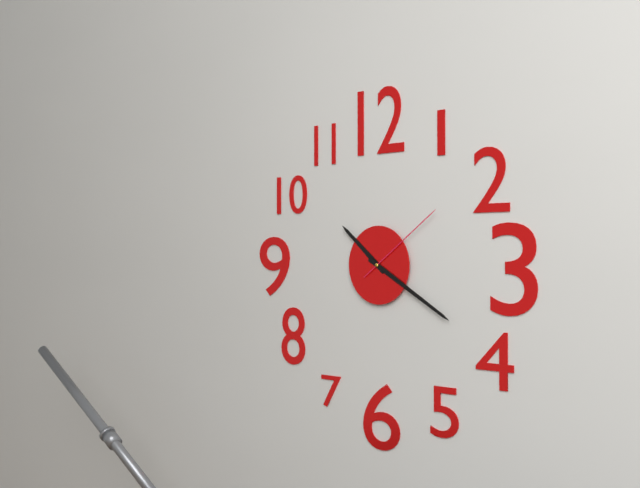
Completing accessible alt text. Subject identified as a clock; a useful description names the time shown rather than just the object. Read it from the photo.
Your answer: 10:20:09
